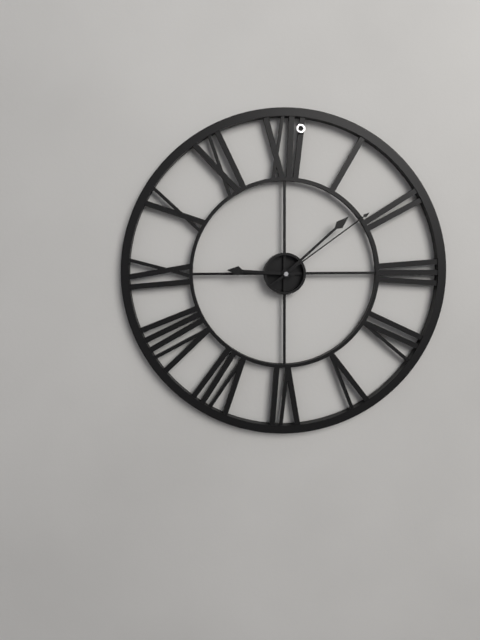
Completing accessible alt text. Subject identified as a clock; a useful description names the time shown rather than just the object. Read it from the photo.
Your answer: 9:08:09
